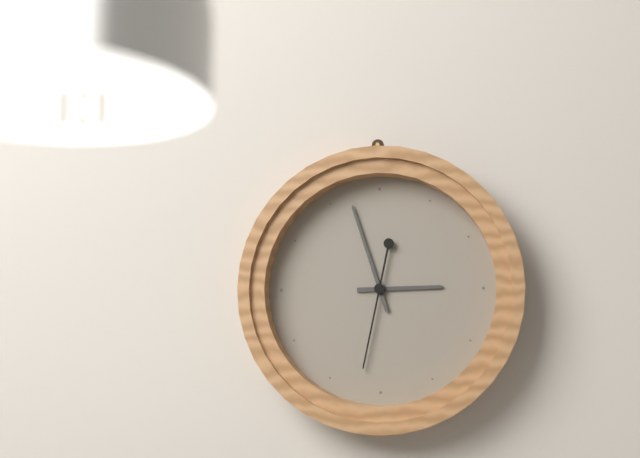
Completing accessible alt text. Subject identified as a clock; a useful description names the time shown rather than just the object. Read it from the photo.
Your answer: 2:57:32
